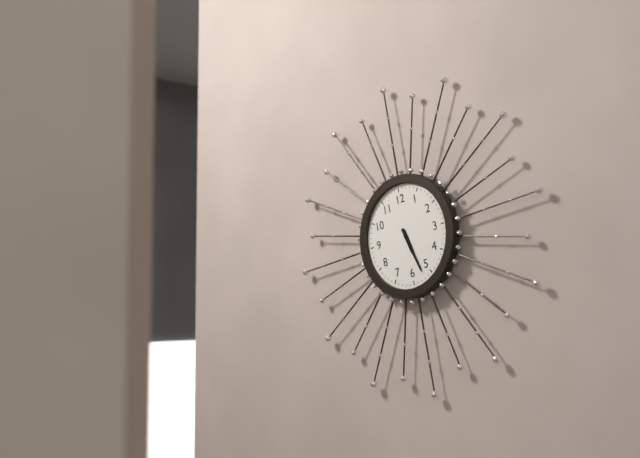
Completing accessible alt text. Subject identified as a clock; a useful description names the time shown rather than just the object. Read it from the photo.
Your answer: 5:27
